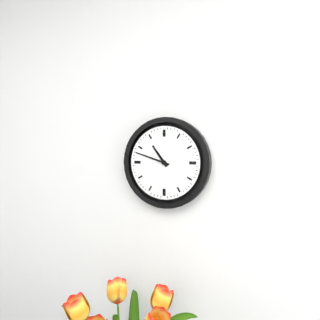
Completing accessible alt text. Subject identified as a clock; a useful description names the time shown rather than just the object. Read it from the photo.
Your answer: 10:48
